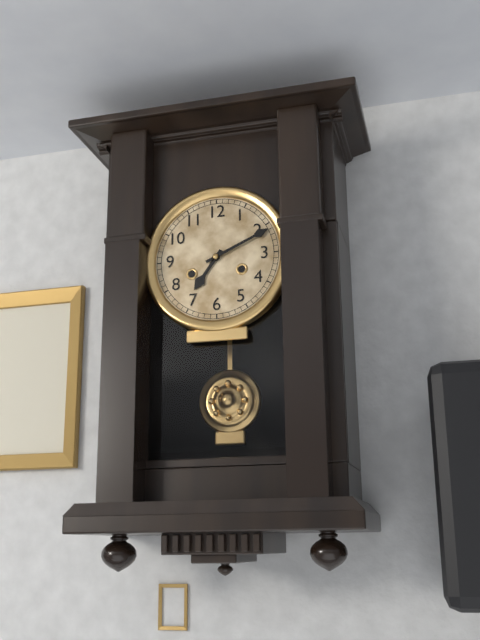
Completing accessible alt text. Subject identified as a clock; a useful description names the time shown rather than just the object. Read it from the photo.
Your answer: 7:11
